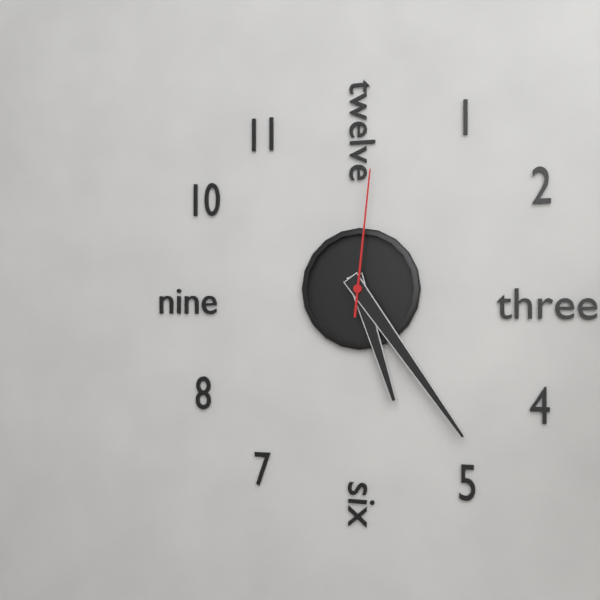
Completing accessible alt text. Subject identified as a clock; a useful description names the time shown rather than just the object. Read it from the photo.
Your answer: 5:24:01
